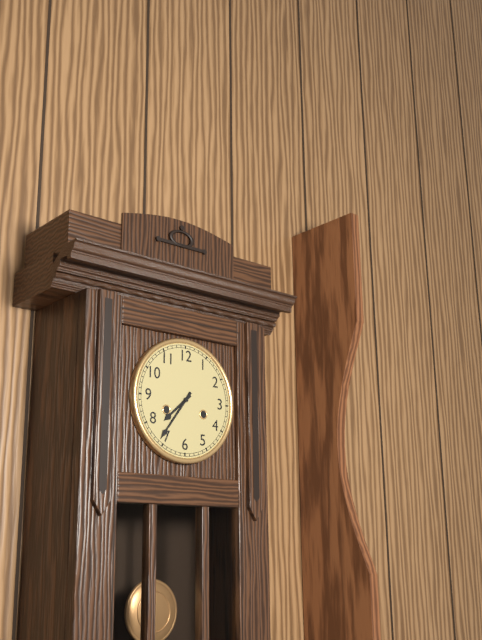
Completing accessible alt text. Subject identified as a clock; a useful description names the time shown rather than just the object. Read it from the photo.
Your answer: 7:36
